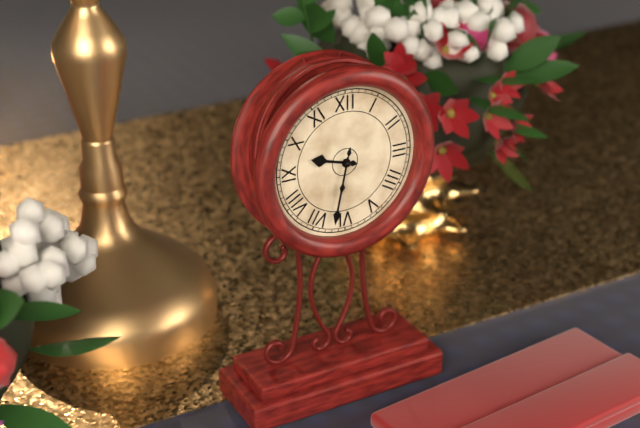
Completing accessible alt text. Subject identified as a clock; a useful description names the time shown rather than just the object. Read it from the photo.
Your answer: 9:32
